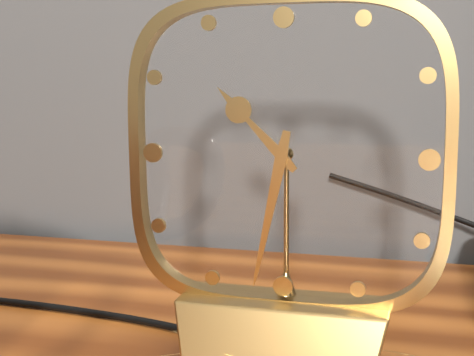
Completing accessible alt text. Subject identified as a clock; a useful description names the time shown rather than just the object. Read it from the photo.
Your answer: 10:32
